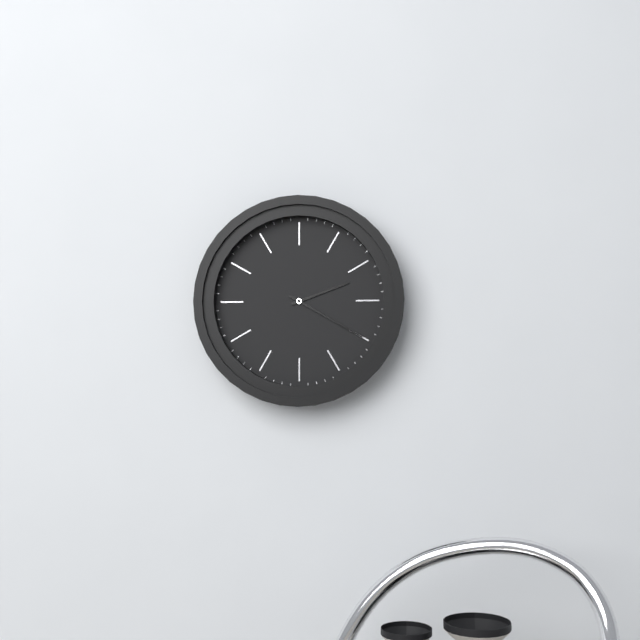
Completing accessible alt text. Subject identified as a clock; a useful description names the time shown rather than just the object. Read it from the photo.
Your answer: 2:20
